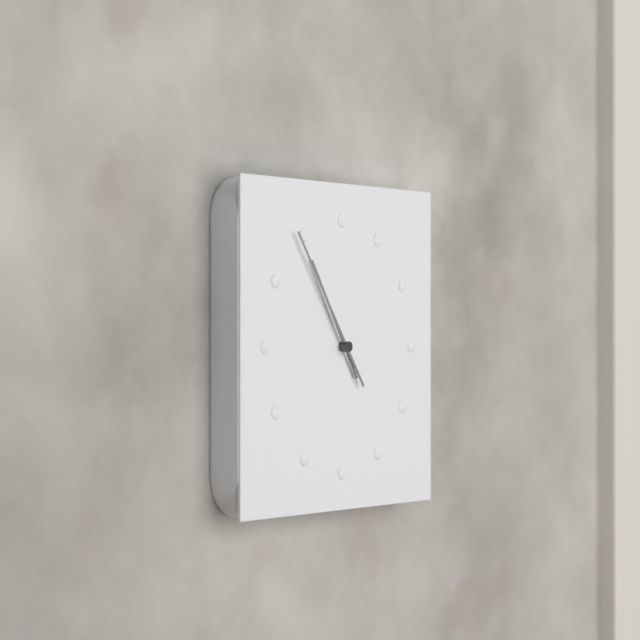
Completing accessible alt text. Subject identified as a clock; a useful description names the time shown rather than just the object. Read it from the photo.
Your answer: 10:54
